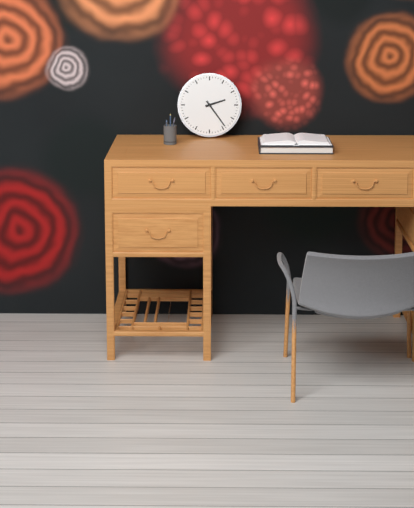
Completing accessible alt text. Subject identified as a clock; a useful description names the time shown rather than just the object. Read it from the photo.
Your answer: 2:24
